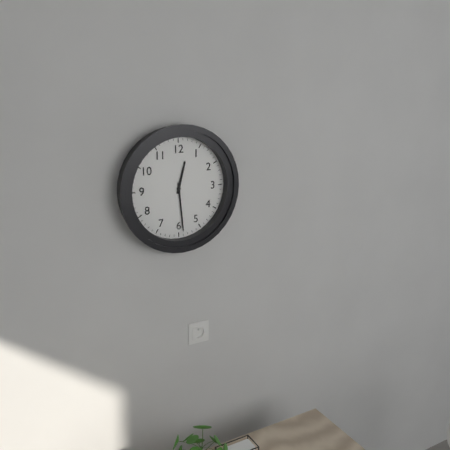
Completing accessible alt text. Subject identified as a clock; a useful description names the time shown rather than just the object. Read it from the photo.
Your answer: 12:29
